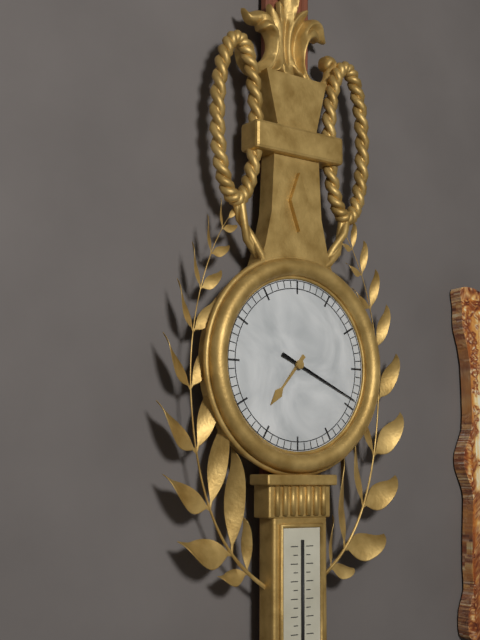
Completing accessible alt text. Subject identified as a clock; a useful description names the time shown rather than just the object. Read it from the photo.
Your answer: 7:19
